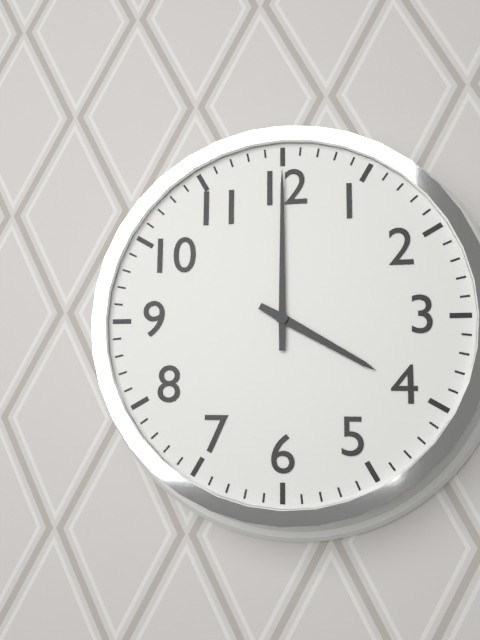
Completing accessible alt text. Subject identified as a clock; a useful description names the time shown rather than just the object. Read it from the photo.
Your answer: 4:00
